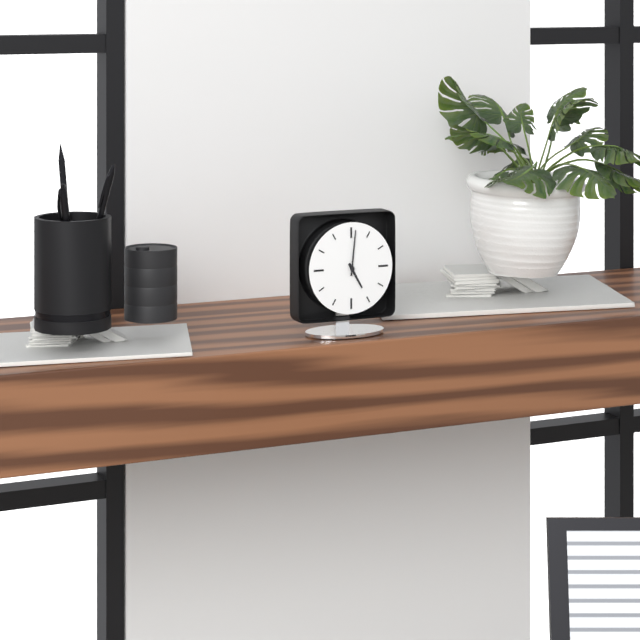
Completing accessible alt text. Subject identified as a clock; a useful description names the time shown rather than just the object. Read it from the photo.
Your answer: 5:01
